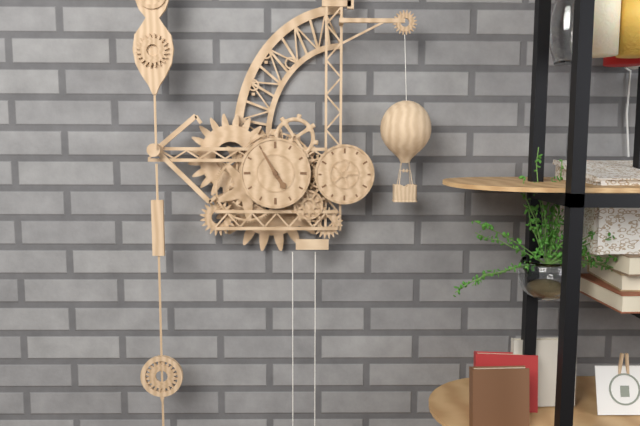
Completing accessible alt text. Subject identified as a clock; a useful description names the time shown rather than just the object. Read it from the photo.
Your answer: 4:55
